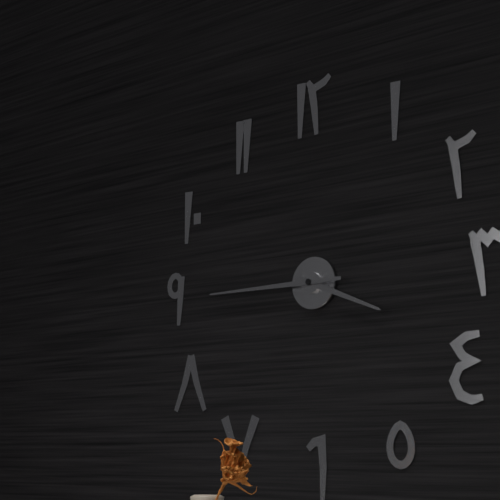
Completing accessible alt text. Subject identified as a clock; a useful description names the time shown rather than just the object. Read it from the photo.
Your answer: 3:45
